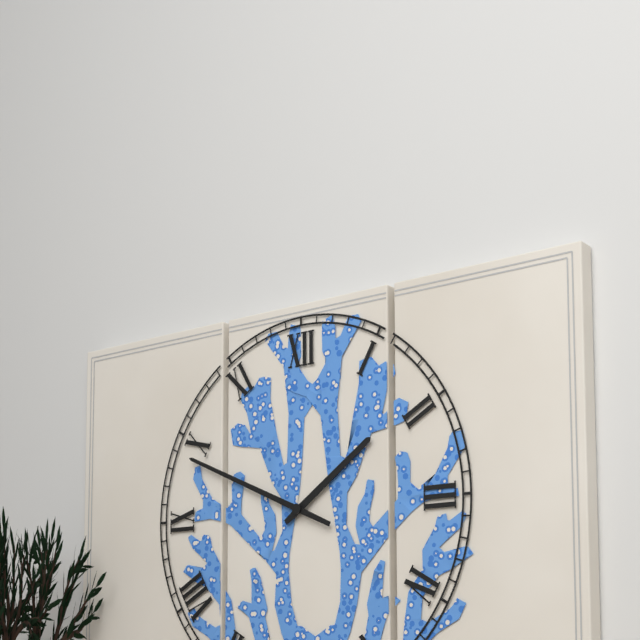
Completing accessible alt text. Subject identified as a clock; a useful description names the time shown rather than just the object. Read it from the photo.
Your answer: 1:49
